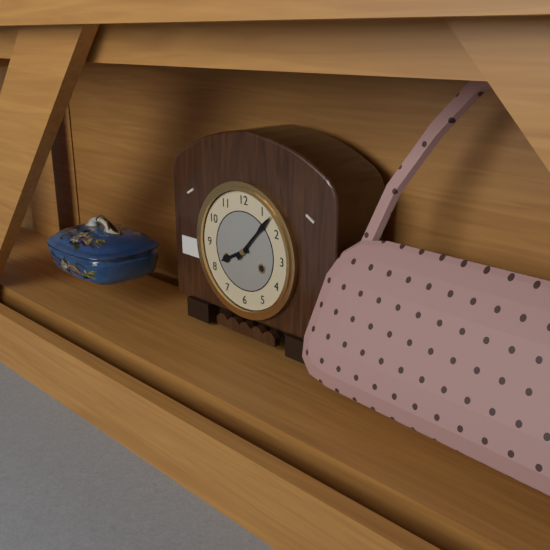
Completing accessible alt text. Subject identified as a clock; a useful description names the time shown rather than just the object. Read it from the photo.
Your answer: 8:07
